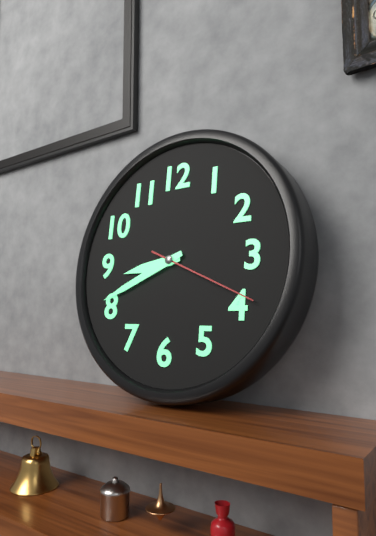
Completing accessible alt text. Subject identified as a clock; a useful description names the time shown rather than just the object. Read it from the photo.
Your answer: 8:41:19
